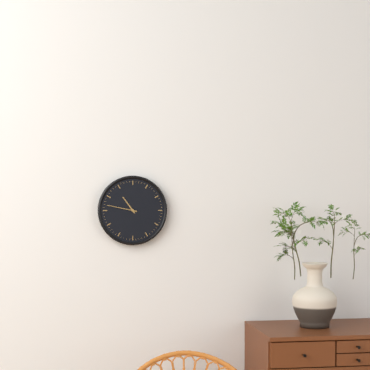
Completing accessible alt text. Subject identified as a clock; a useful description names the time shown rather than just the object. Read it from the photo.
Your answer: 10:47
